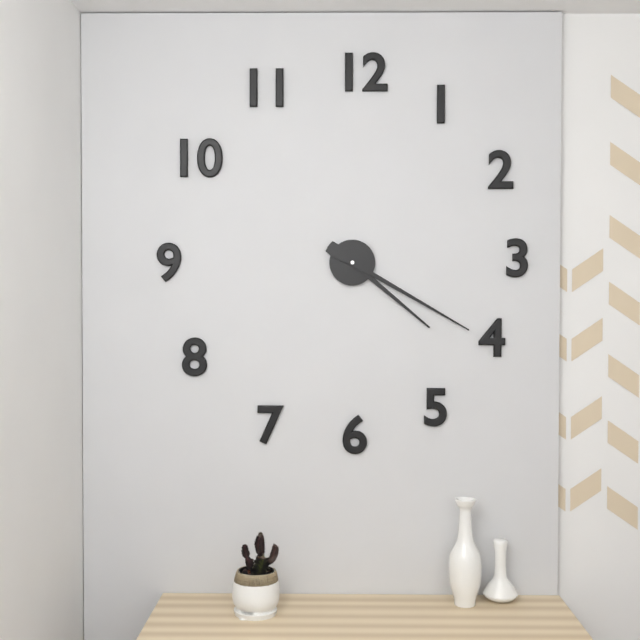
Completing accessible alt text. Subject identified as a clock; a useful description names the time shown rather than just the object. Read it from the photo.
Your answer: 4:20
